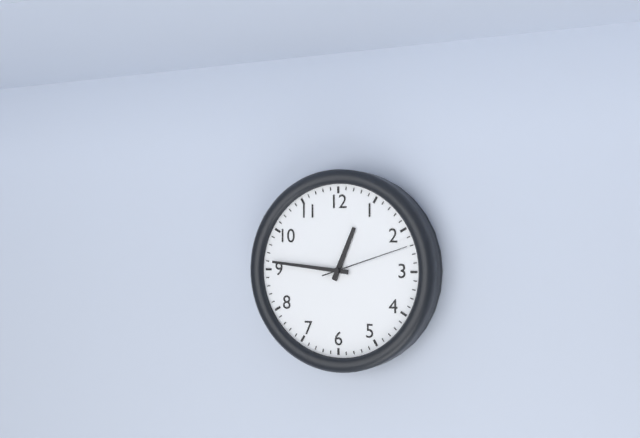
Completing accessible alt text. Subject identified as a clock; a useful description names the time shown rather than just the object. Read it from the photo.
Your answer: 12:46:12
